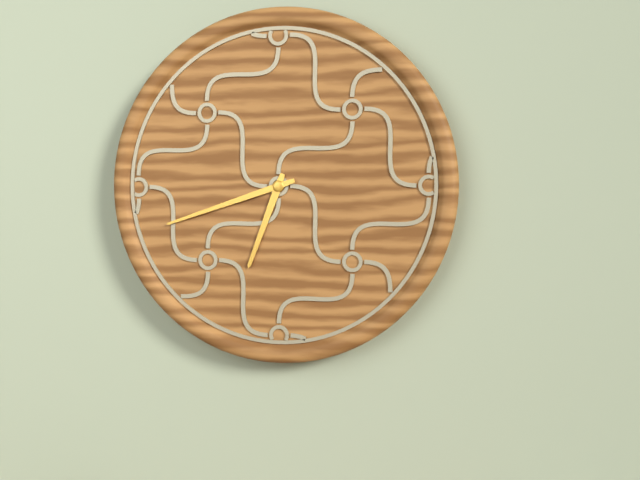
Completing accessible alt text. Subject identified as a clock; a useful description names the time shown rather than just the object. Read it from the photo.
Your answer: 6:42
